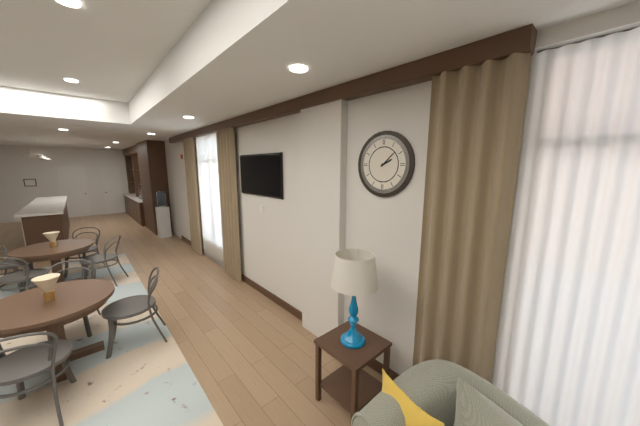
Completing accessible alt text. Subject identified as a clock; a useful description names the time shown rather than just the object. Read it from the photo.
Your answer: 2:08
